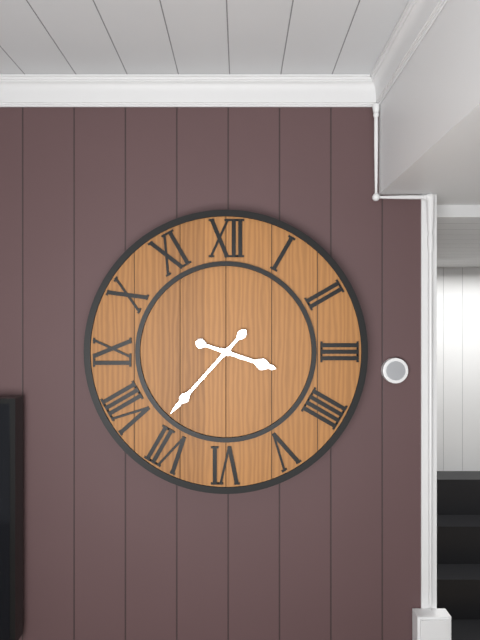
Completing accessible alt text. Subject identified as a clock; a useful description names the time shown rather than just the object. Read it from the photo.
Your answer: 3:37
